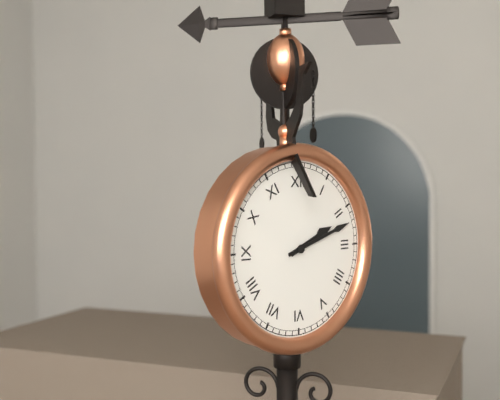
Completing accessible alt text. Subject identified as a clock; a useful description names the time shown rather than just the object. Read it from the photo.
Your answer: 2:12
